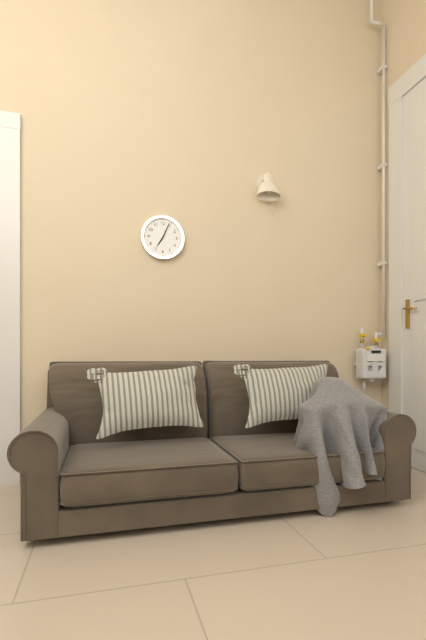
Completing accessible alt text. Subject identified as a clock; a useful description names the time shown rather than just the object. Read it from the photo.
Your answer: 7:04
